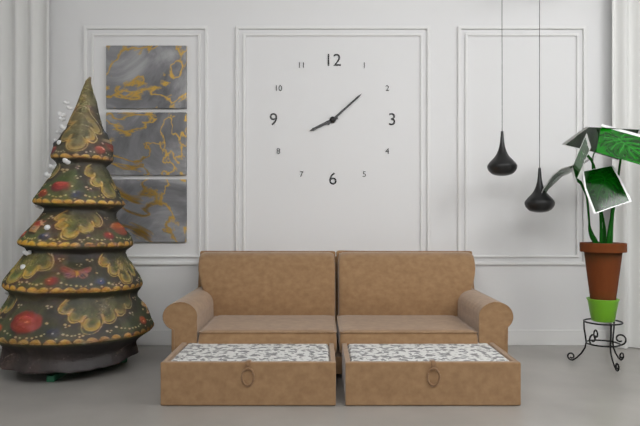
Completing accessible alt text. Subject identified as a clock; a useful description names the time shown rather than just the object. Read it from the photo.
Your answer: 8:08
